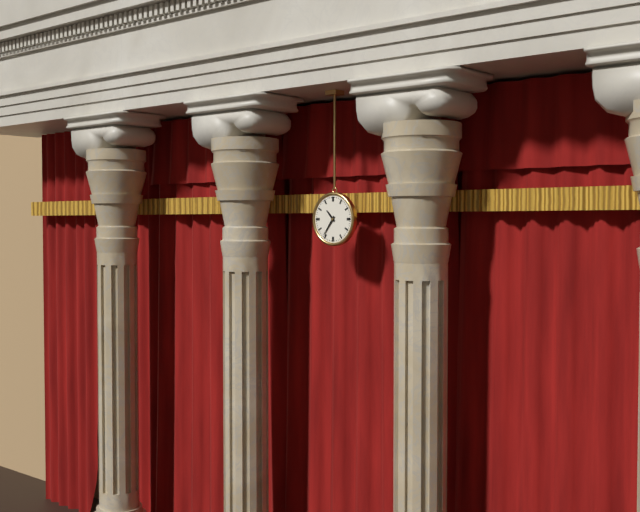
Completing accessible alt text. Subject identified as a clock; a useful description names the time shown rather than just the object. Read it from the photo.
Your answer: 10:36
